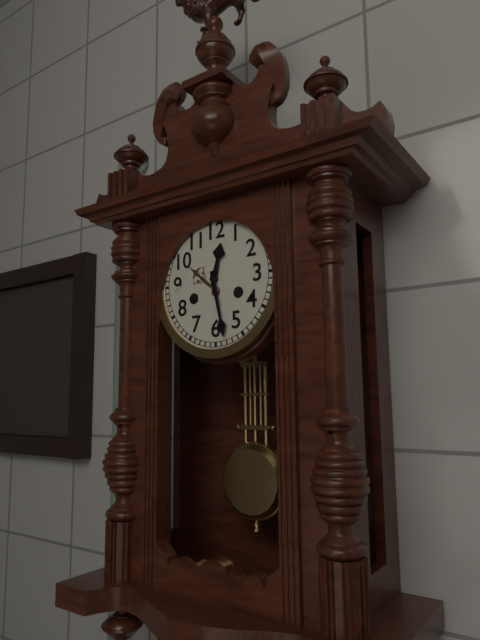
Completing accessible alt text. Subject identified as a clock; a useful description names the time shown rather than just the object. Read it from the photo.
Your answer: 12:28
